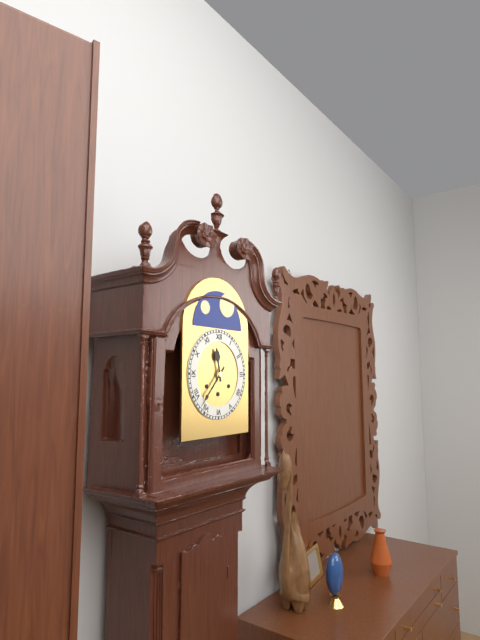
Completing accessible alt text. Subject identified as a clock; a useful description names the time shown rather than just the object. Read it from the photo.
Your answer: 11:37
